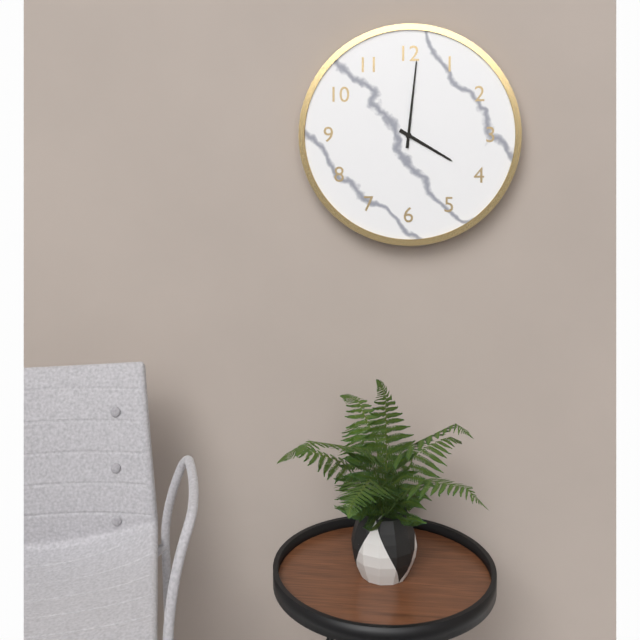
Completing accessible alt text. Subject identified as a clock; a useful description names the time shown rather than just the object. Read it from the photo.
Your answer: 4:01
